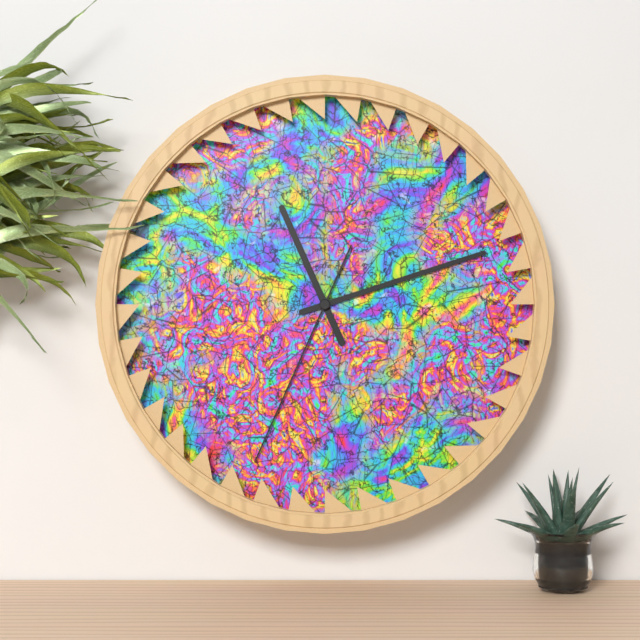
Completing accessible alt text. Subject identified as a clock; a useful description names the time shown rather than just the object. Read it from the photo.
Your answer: 11:12:34
